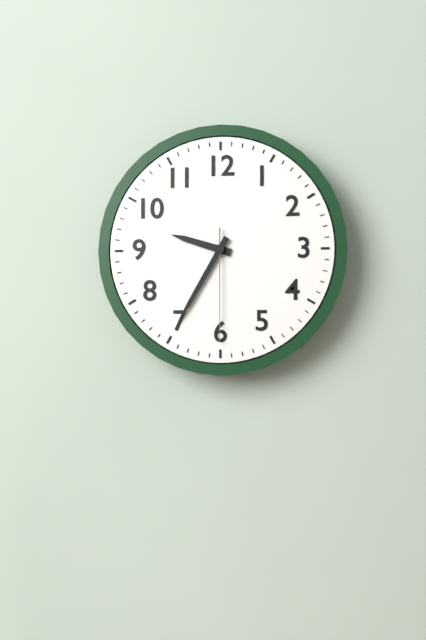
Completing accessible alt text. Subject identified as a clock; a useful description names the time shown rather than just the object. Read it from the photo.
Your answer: 9:35:30
